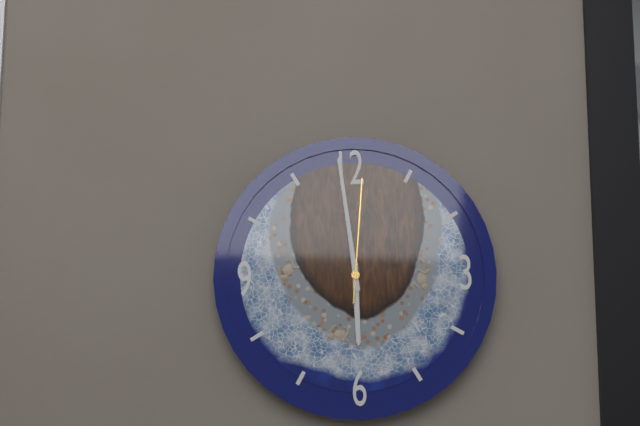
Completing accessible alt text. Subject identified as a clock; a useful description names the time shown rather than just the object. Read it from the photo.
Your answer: 5:59:01
